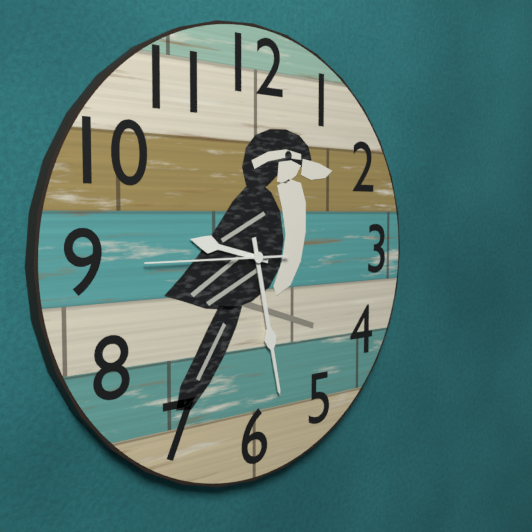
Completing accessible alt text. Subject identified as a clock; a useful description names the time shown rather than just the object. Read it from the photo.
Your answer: 9:28:45
